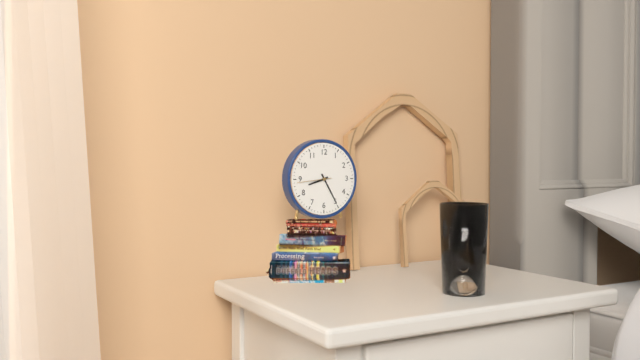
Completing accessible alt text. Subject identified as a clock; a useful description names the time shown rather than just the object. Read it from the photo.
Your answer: 8:25
